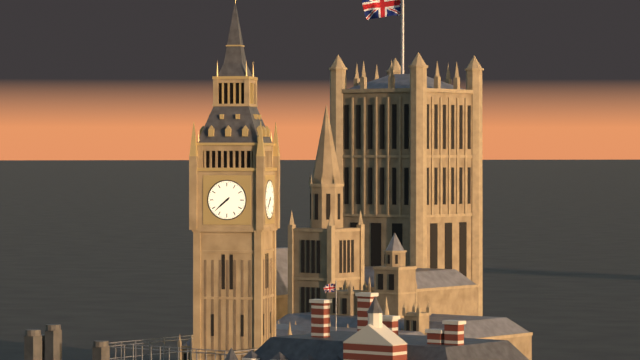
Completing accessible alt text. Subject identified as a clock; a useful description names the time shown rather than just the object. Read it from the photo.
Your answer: 7:38
